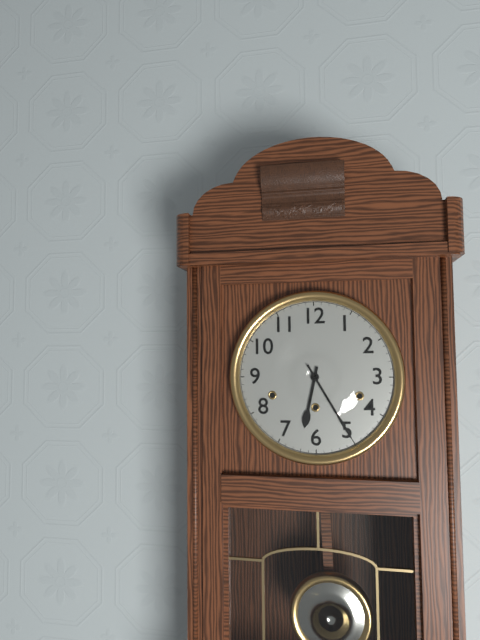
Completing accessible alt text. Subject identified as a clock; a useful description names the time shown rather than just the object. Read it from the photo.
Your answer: 6:25
